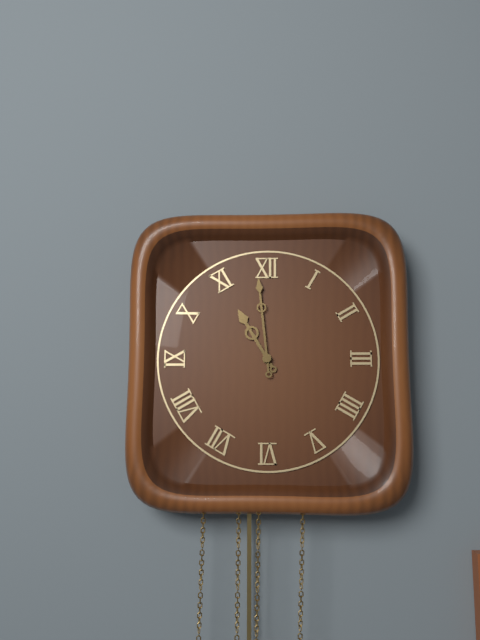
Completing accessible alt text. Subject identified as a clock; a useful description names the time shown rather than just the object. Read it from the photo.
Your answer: 10:59
